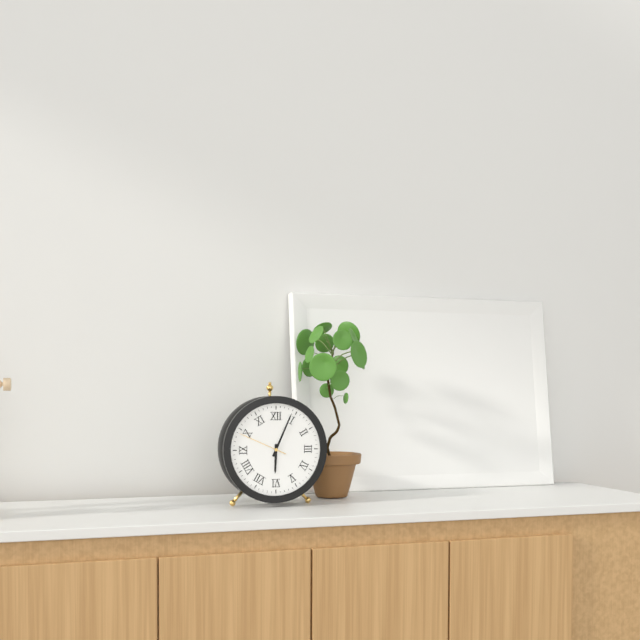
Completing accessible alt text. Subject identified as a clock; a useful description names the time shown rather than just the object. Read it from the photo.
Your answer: 6:04:49
